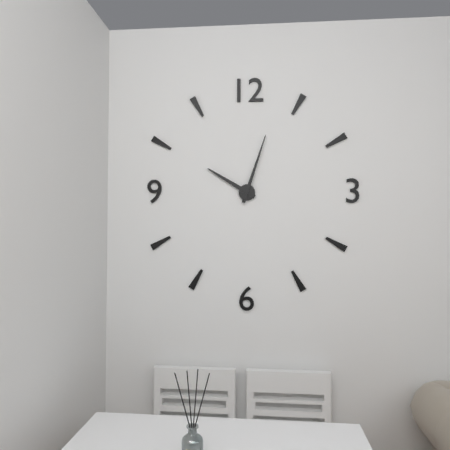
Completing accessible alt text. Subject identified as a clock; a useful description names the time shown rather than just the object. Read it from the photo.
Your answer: 10:03
